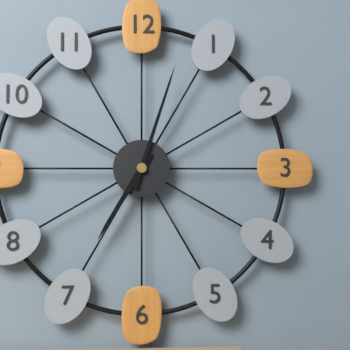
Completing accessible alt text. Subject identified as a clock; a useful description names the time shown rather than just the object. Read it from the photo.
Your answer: 7:03
